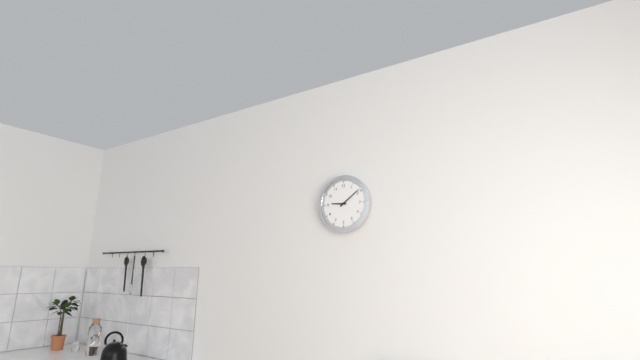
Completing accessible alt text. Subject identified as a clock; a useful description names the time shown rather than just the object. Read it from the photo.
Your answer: 9:09
